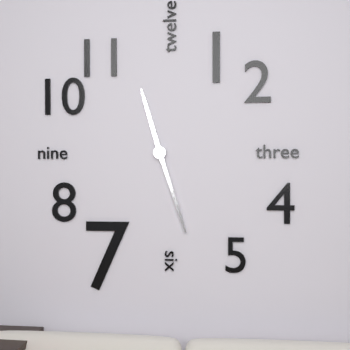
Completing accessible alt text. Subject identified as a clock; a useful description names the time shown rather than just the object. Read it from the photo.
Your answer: 11:27
